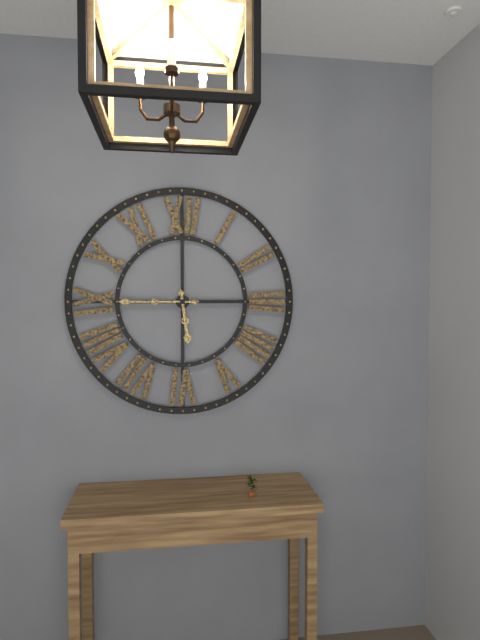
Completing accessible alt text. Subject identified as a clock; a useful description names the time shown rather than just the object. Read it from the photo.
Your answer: 5:45
